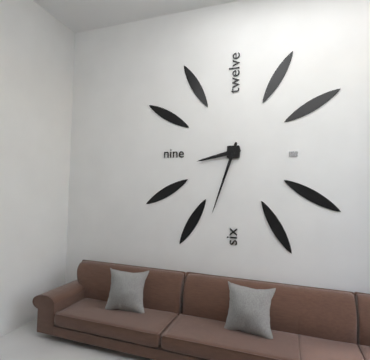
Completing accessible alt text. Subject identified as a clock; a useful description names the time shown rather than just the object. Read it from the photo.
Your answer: 8:33
